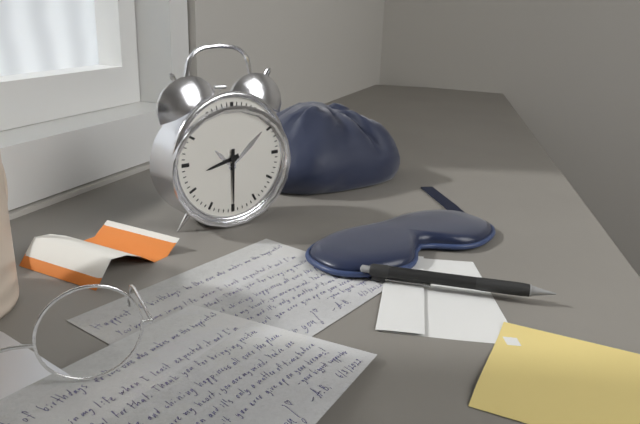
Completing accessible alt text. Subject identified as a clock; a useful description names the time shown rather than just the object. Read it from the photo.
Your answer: 8:30
